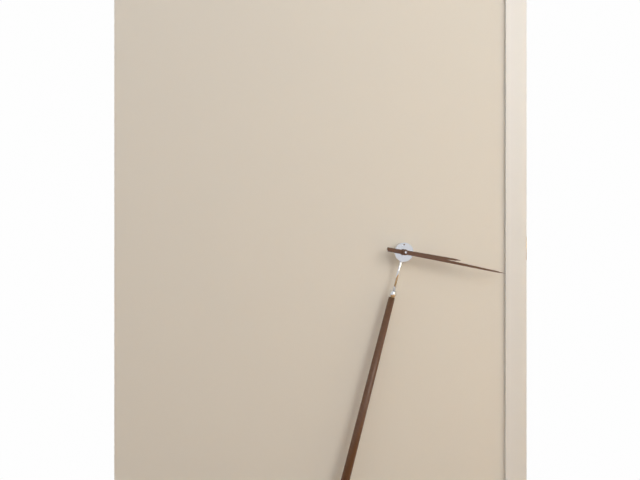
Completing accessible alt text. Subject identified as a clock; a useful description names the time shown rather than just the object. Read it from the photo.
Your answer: 3:17
